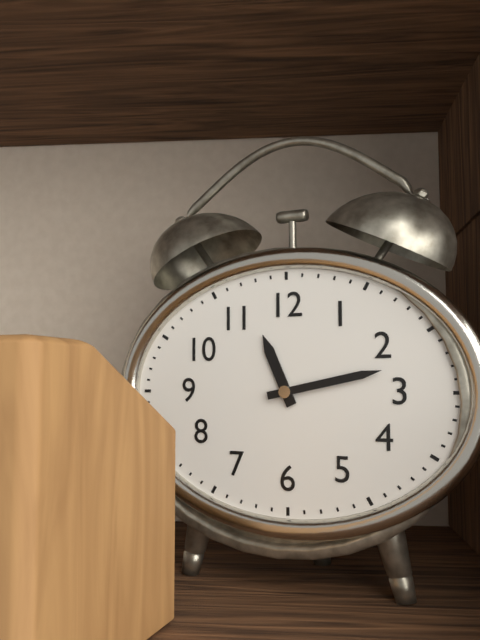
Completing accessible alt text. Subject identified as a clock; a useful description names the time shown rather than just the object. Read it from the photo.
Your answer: 11:13
